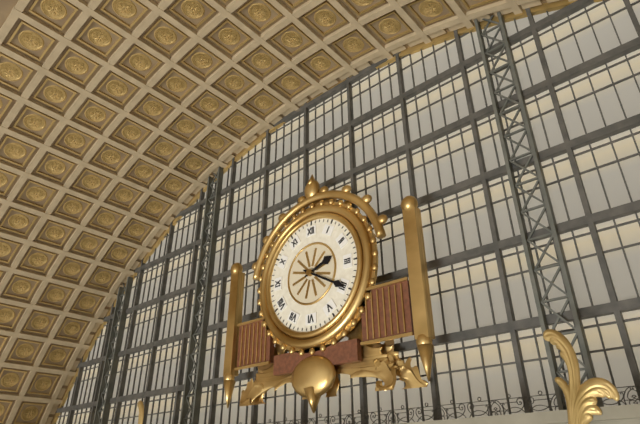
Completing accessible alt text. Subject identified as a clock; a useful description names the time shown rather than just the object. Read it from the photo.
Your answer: 2:20
